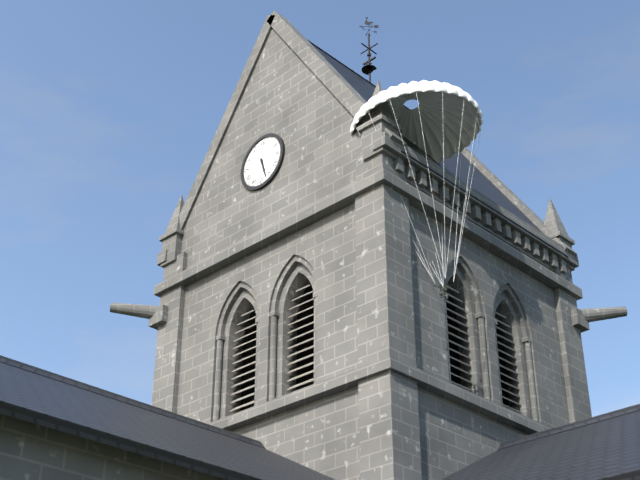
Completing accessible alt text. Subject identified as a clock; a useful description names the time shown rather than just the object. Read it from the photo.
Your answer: 5:27
